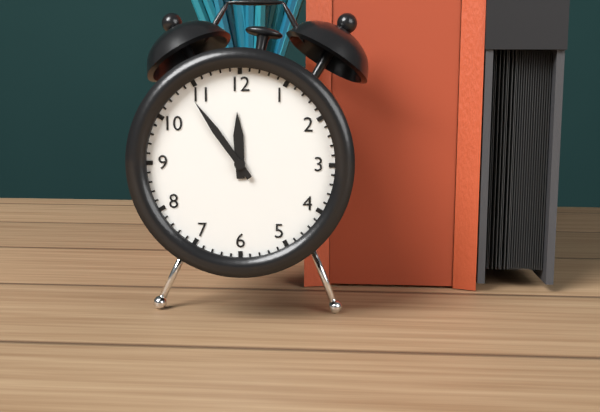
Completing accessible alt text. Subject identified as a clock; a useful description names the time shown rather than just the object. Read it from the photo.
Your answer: 11:54
